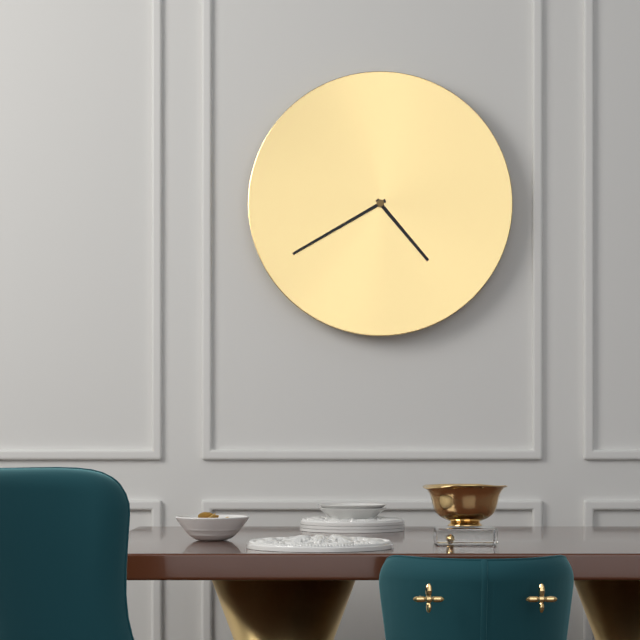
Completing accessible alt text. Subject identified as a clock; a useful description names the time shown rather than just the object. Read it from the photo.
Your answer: 4:40
